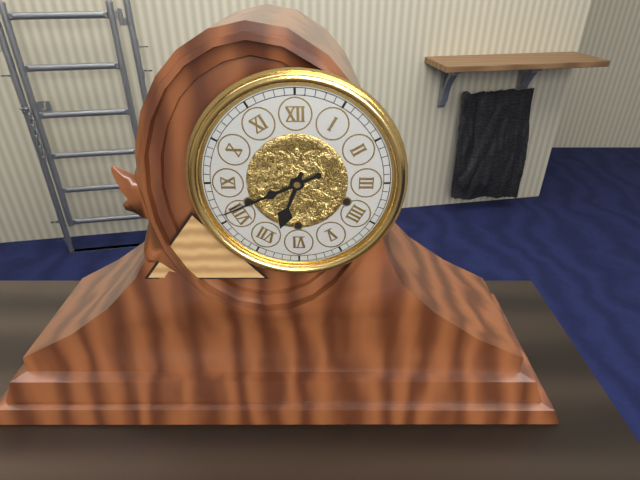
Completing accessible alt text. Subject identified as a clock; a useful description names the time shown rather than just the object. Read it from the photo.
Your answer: 6:41
